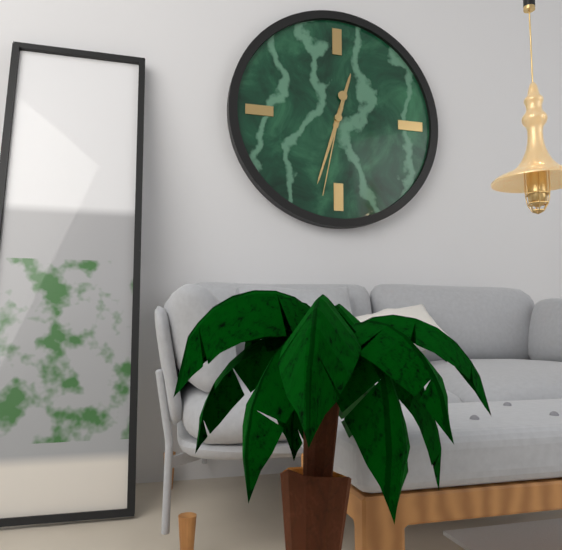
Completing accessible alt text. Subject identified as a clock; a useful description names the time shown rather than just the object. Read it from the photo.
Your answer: 12:33:32
